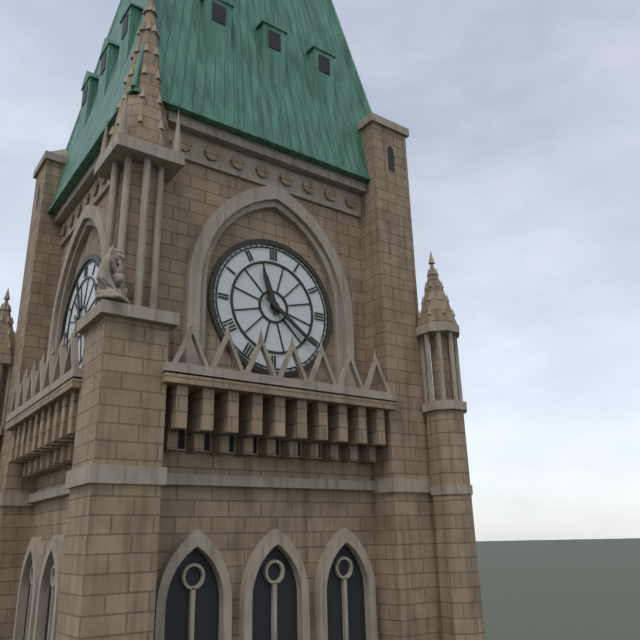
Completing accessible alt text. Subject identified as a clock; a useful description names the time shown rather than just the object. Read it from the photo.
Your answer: 11:21
